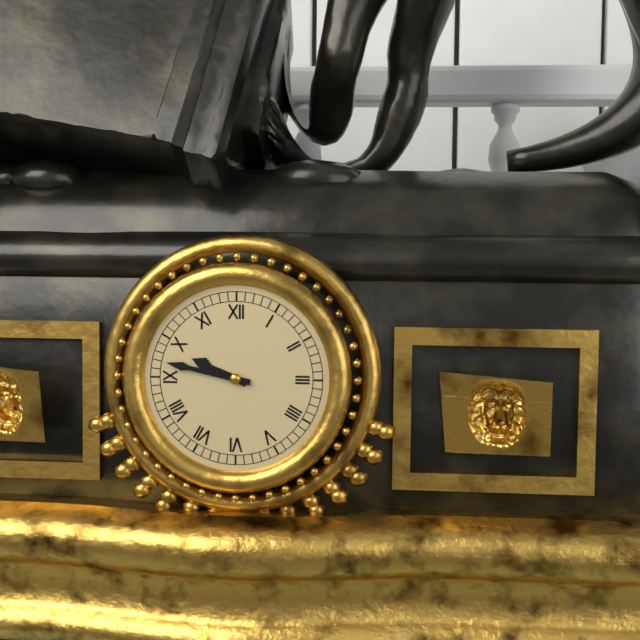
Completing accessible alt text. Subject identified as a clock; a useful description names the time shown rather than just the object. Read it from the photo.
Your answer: 9:47
